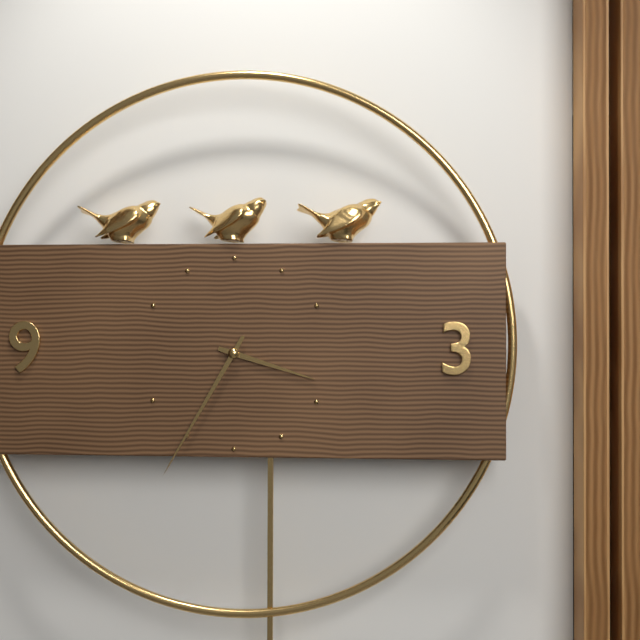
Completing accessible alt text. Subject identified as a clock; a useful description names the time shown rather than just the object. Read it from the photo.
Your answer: 3:35
